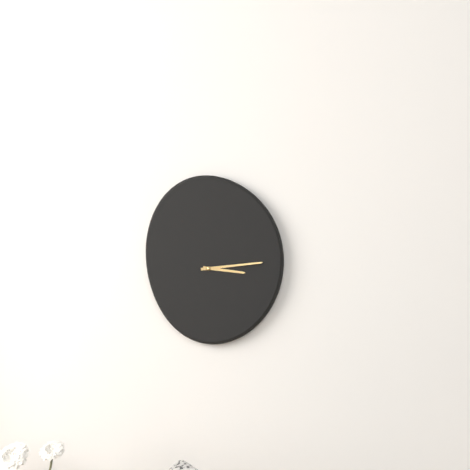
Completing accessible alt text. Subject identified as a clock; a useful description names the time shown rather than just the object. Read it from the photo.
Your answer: 3:14
